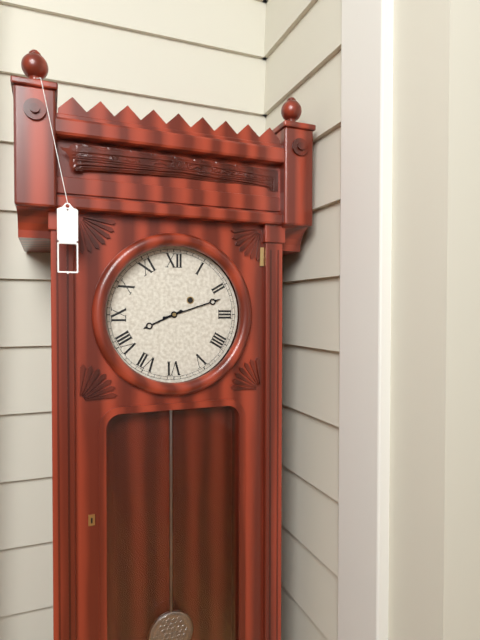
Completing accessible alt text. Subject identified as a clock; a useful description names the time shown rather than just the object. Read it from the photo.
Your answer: 8:12
